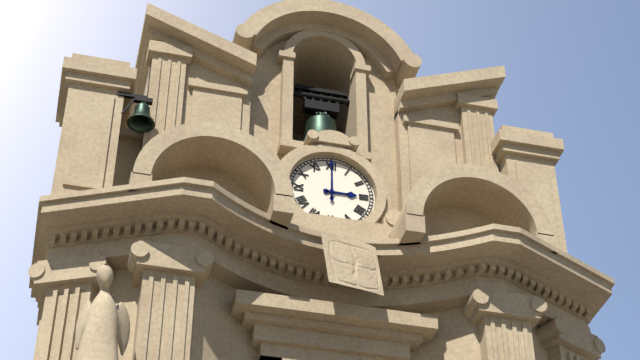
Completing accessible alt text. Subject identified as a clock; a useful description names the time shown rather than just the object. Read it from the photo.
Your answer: 3:00
